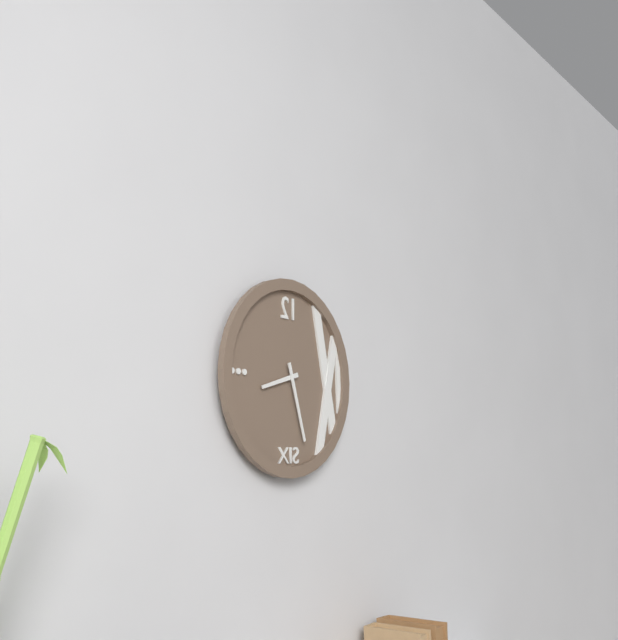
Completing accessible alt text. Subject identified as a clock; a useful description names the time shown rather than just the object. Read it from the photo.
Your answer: 8:27
